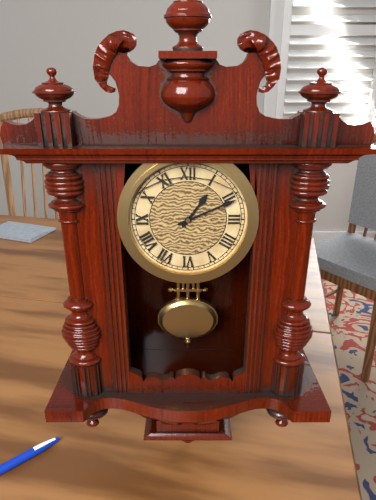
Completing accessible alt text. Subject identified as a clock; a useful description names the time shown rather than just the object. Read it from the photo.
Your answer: 1:11
